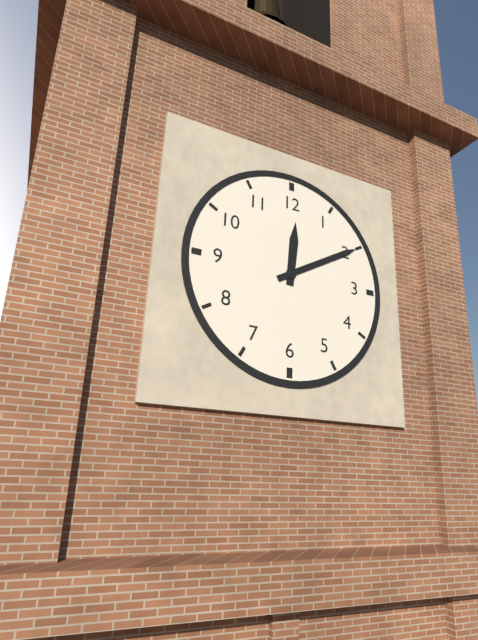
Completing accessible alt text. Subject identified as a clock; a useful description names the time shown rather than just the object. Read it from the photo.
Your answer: 12:10
